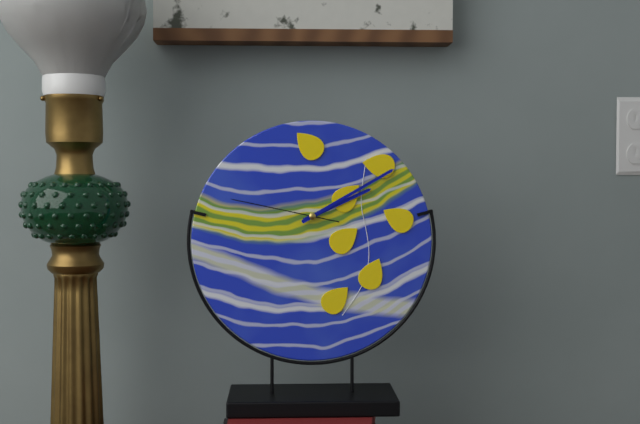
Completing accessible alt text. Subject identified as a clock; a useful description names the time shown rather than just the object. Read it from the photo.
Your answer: 2:10:47
